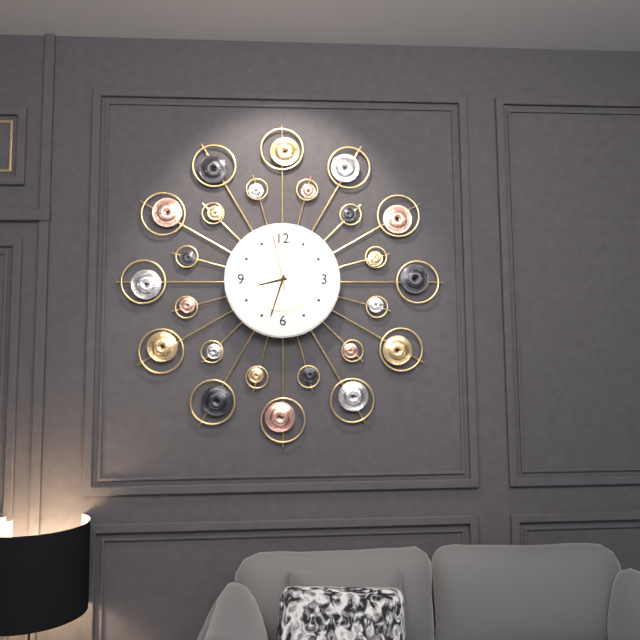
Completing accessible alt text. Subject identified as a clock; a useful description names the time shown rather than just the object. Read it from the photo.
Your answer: 8:33:58
